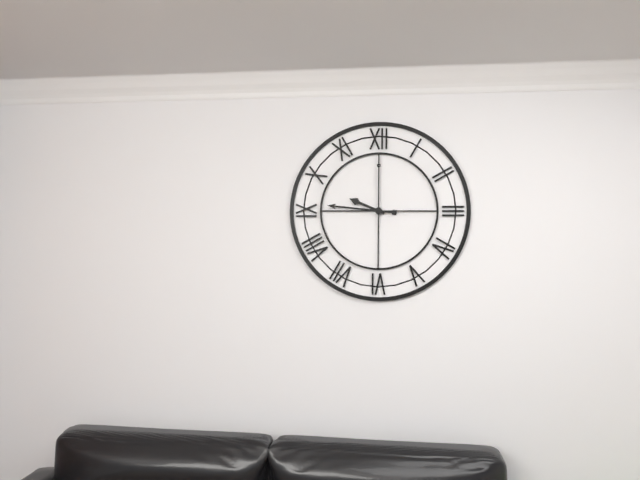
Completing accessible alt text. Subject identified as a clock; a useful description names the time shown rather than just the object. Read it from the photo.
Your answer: 9:46:00
